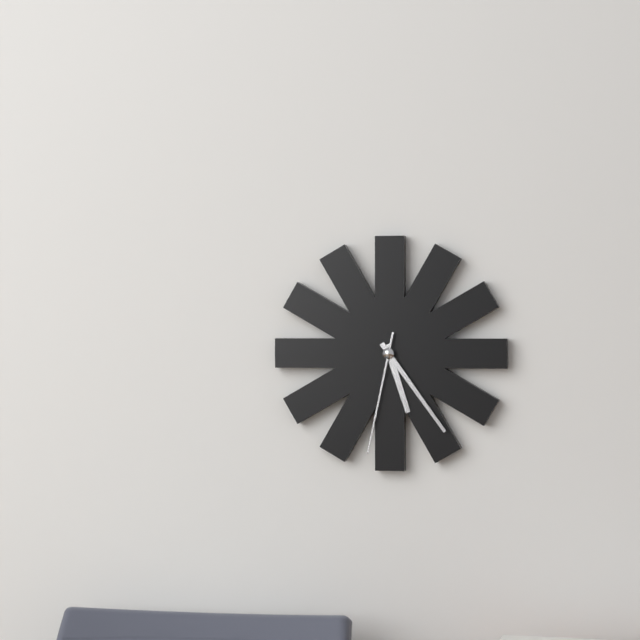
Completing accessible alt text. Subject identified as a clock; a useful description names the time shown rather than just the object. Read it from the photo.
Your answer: 5:24:32
